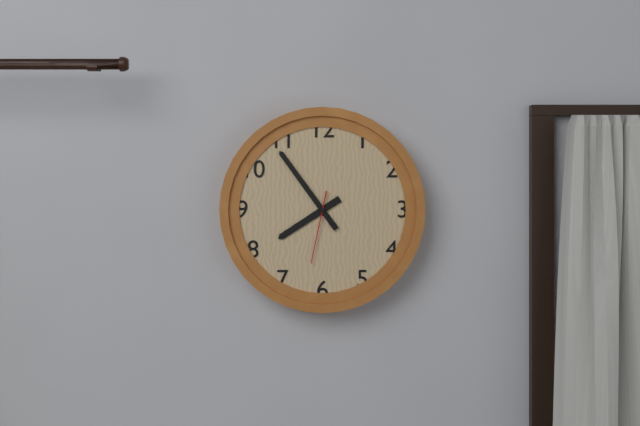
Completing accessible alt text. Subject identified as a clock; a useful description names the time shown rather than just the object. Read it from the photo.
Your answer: 7:54:32
